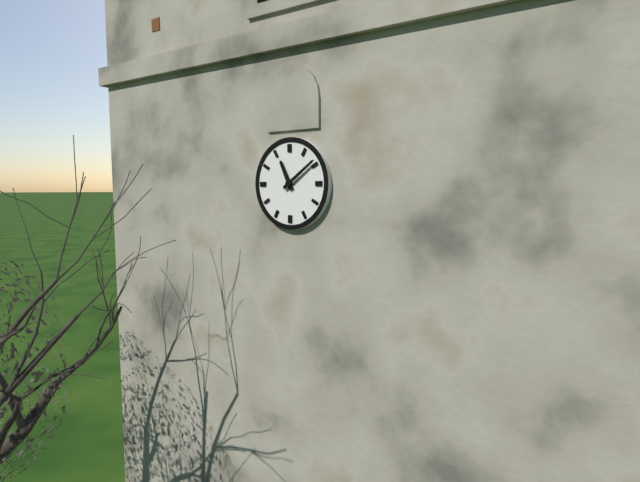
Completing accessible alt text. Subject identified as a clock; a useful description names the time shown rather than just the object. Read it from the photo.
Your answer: 11:09
